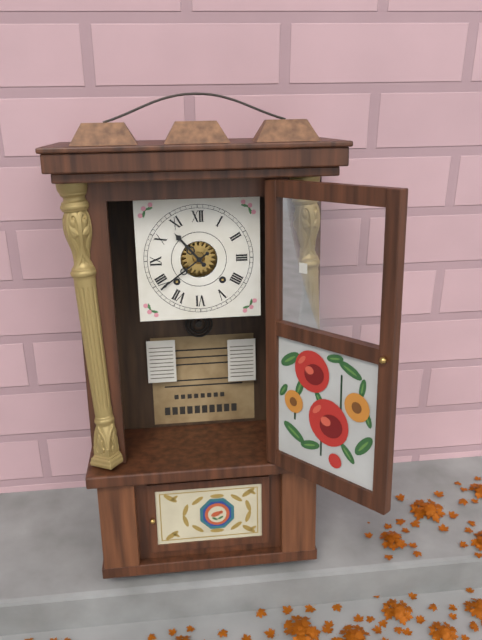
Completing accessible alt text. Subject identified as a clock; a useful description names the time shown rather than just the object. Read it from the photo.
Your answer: 10:39
